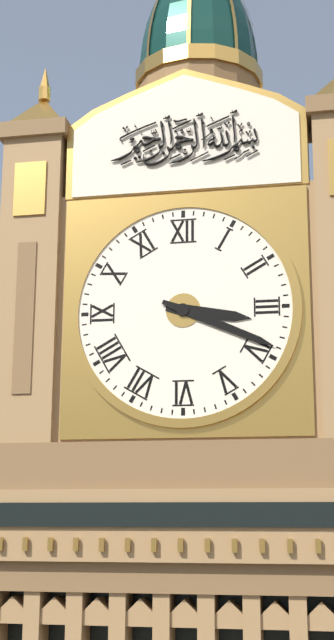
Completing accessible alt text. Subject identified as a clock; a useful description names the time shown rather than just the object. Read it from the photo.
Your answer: 3:19
